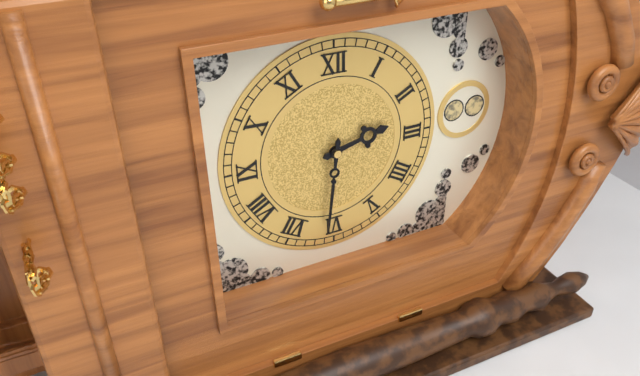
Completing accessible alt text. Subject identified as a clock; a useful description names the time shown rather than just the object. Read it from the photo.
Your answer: 2:31
